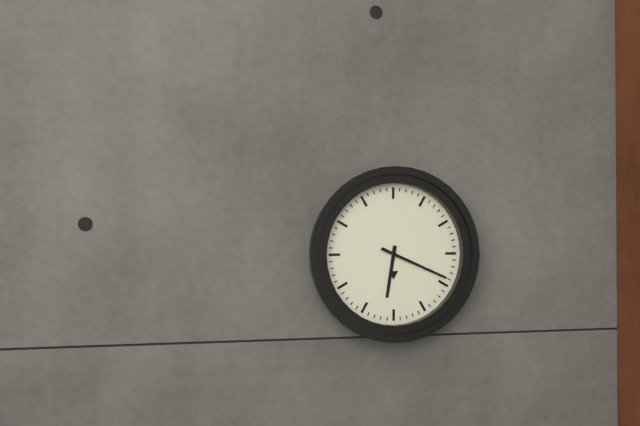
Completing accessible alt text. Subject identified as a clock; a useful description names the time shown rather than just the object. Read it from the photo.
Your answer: 6:19
